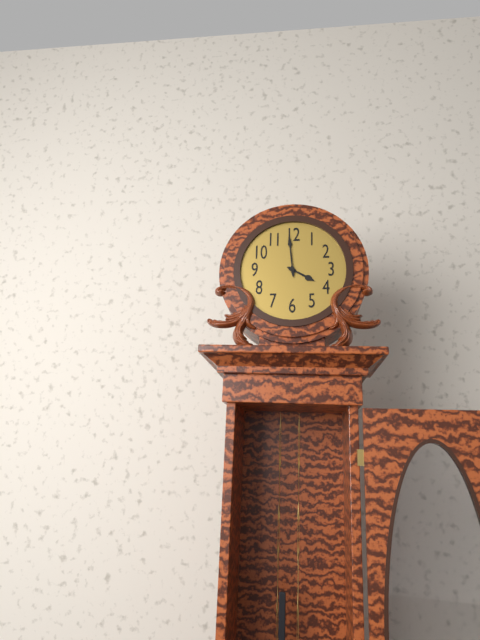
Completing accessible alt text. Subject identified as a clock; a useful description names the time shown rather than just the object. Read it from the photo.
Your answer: 3:59
